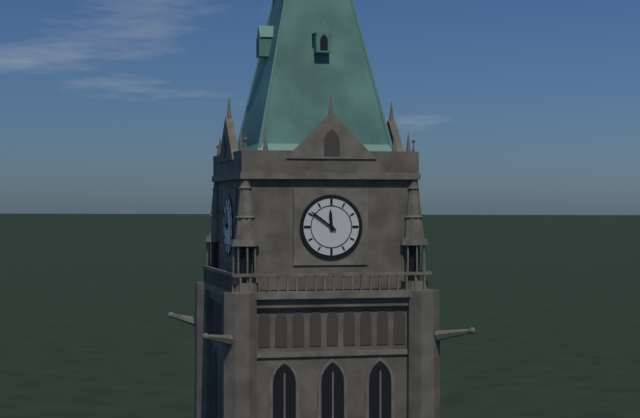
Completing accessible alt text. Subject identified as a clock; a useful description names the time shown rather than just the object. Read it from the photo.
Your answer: 11:51
